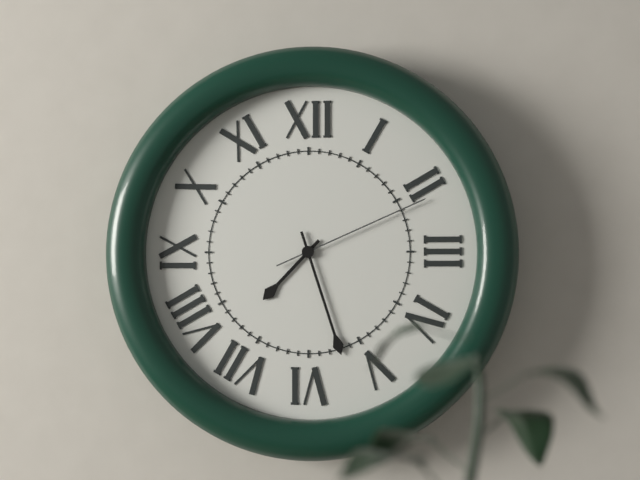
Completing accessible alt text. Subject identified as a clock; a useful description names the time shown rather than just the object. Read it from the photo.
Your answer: 7:27:11
